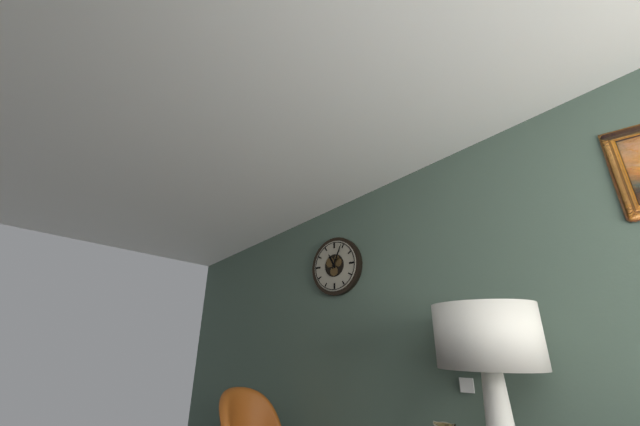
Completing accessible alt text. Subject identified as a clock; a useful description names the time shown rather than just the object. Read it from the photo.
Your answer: 11:04
